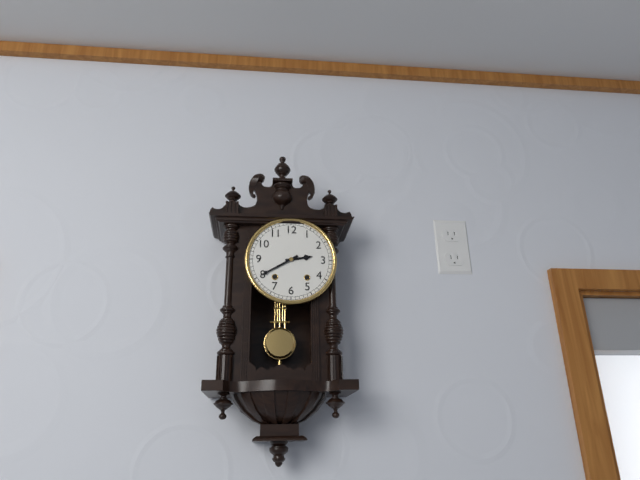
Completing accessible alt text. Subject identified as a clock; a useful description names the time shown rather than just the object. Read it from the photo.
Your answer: 2:40
